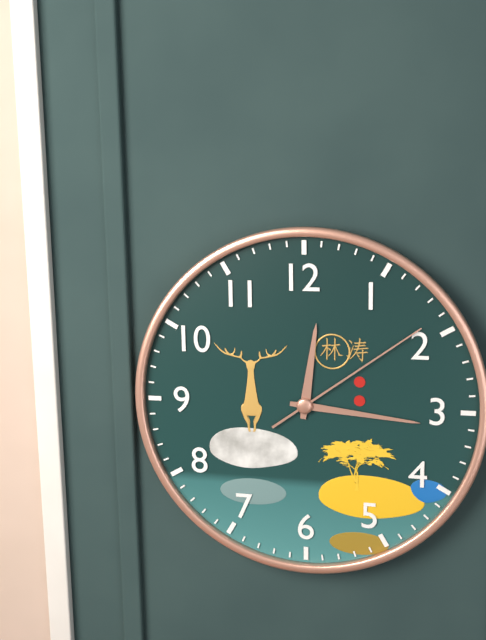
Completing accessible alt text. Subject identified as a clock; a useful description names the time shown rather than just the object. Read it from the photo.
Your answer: 12:16:09
